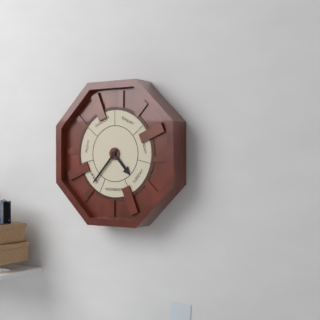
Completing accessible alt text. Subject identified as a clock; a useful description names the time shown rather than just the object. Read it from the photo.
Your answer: 4:37
